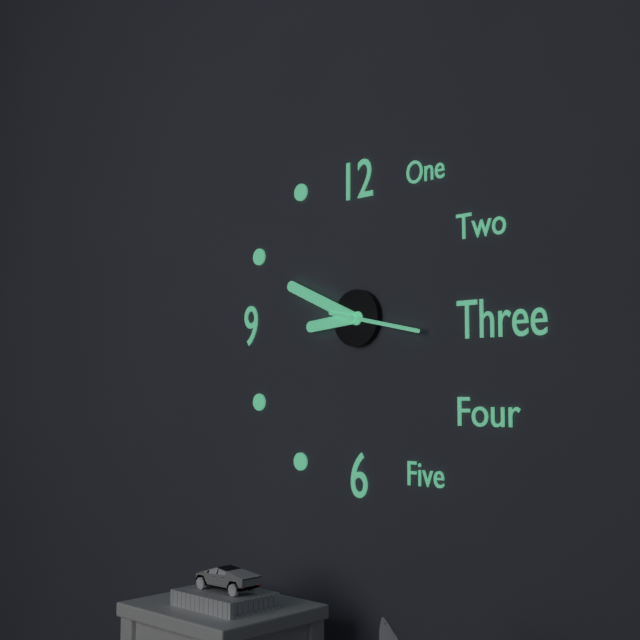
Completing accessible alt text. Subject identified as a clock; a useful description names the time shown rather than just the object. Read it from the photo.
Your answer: 8:49:17
